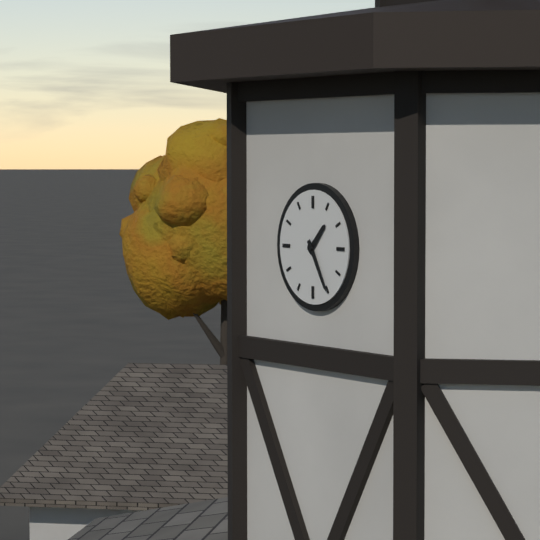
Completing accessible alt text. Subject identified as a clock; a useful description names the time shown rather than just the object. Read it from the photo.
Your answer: 1:25
